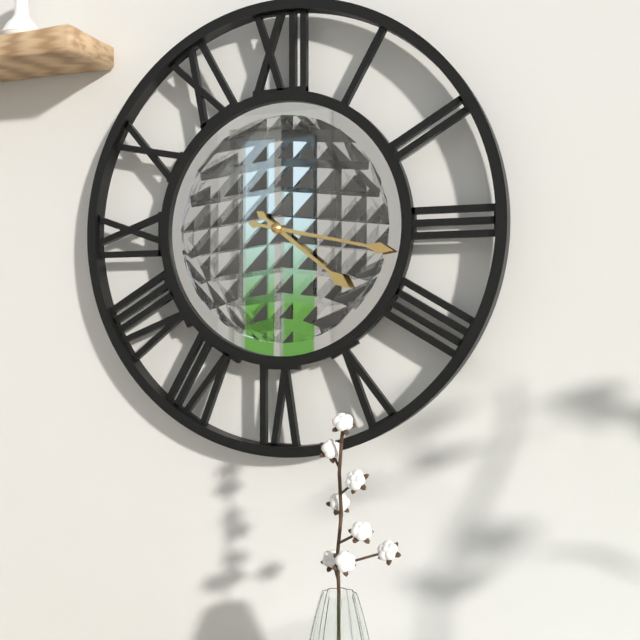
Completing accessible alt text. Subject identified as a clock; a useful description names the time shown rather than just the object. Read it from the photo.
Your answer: 4:17
